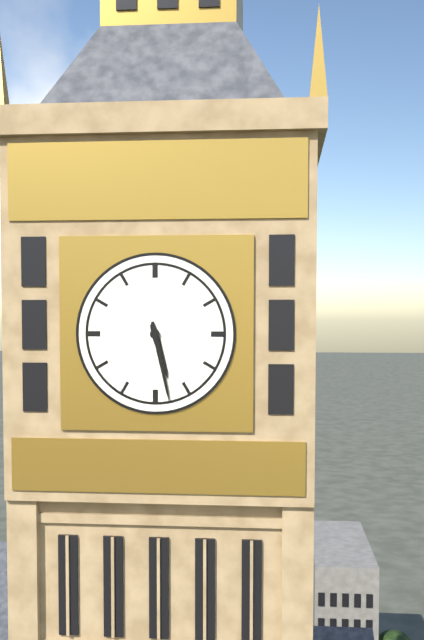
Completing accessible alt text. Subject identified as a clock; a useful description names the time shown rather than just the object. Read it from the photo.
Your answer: 5:28
